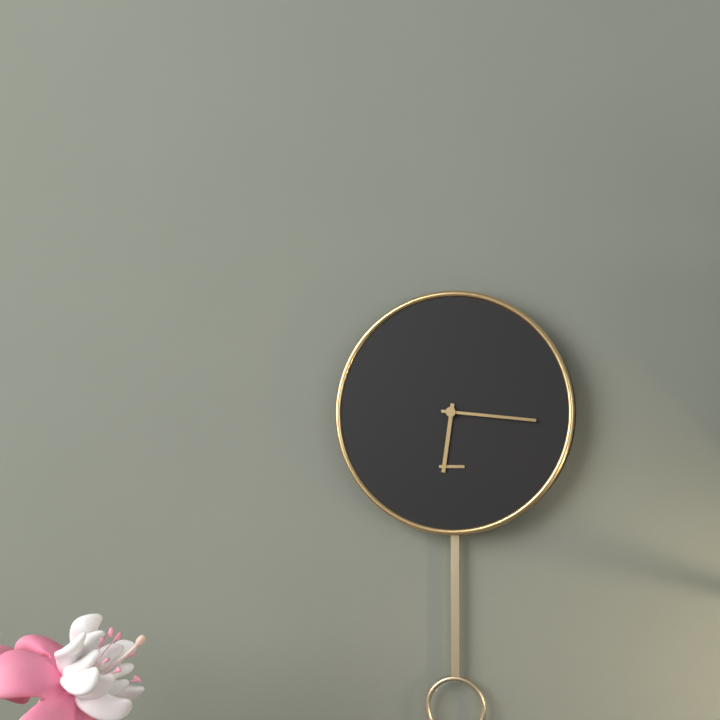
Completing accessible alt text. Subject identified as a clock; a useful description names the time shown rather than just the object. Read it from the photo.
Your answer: 6:16
